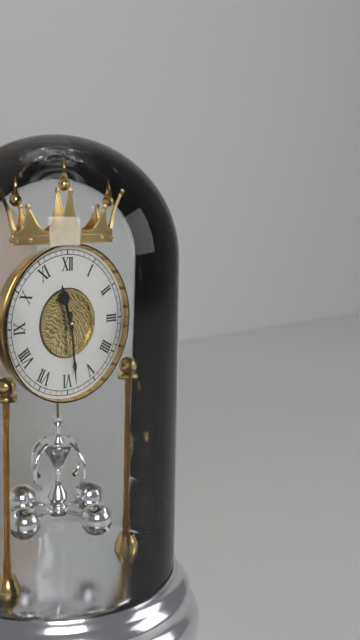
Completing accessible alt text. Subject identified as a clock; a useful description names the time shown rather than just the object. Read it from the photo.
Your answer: 11:29
